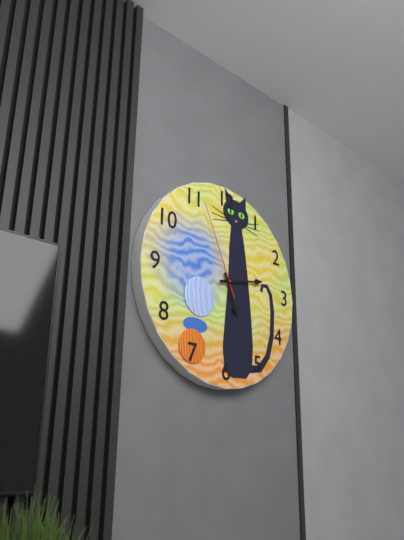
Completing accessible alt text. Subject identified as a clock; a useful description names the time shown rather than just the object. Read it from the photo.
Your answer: 5:13:56
